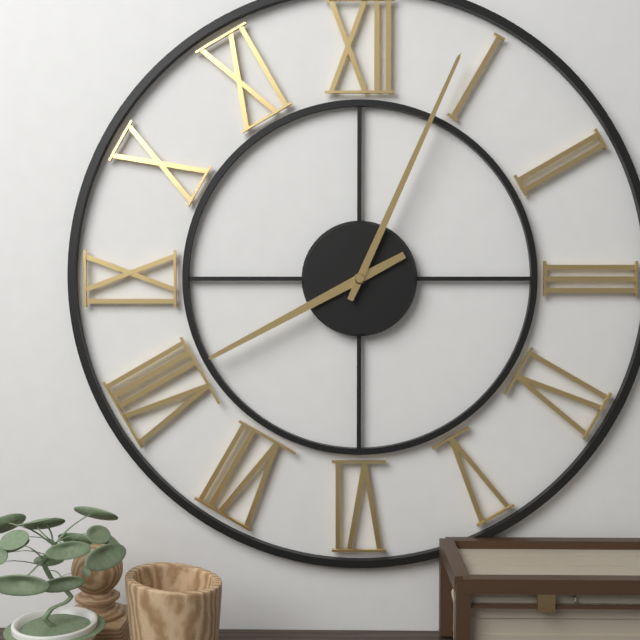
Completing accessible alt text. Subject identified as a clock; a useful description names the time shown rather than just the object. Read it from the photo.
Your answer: 8:04
